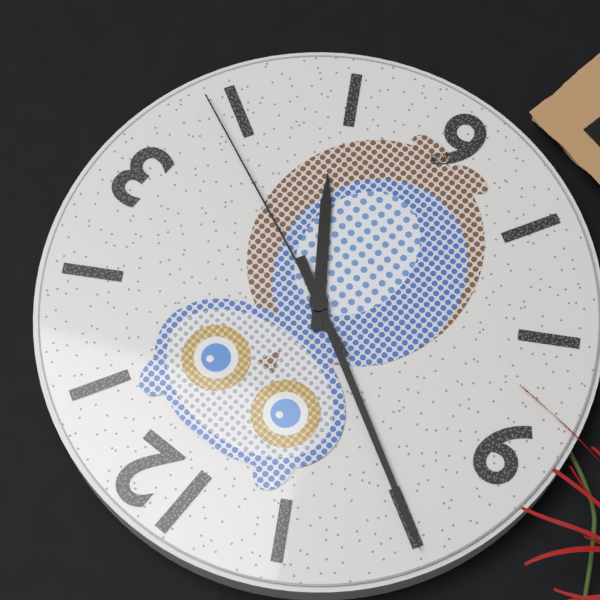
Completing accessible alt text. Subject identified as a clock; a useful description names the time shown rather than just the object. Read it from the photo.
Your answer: 4:50:19
